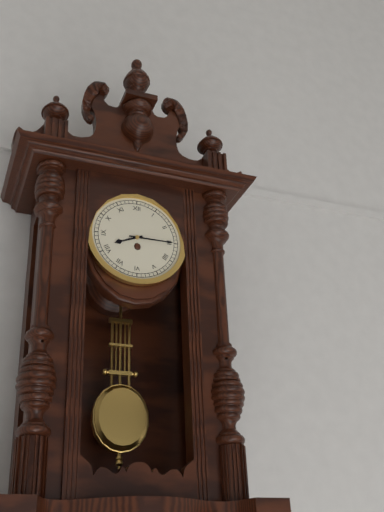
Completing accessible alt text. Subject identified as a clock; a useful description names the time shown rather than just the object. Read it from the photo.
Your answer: 8:15
